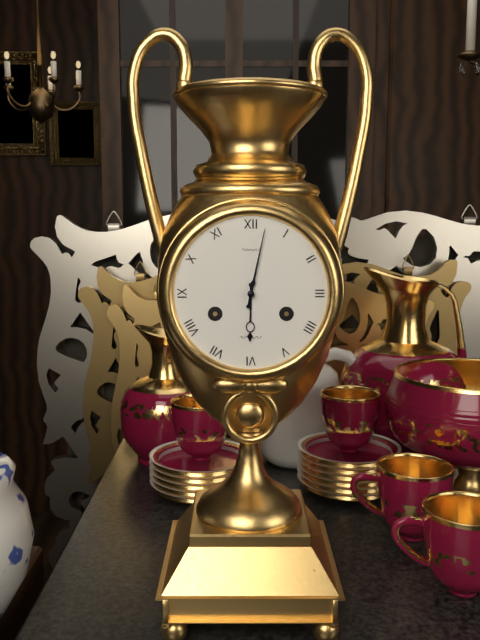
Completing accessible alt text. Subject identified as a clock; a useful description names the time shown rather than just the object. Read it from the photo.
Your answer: 6:02
